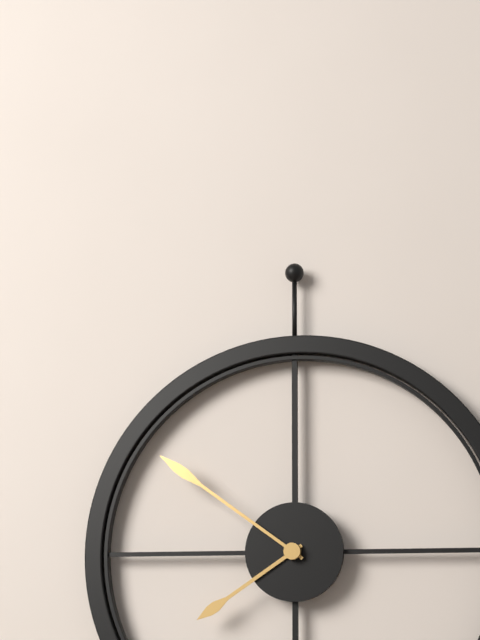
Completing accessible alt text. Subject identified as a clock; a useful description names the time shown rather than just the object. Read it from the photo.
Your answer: 7:51
